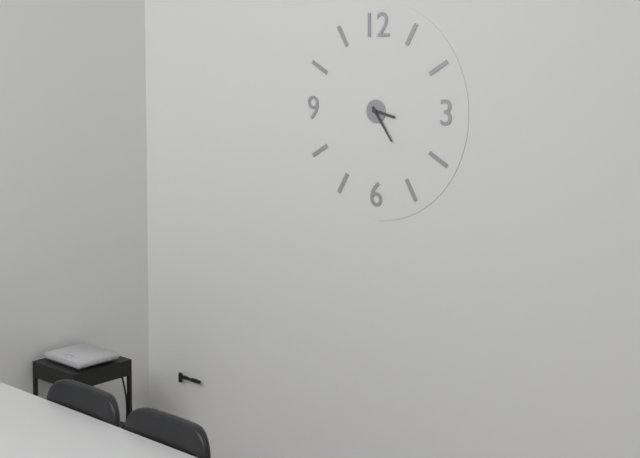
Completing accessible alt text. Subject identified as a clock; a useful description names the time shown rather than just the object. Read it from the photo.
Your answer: 3:24
